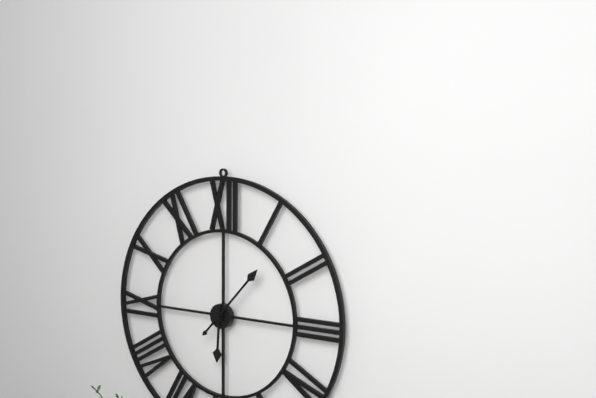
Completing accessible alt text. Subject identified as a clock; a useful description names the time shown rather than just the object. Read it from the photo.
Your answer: 6:07
